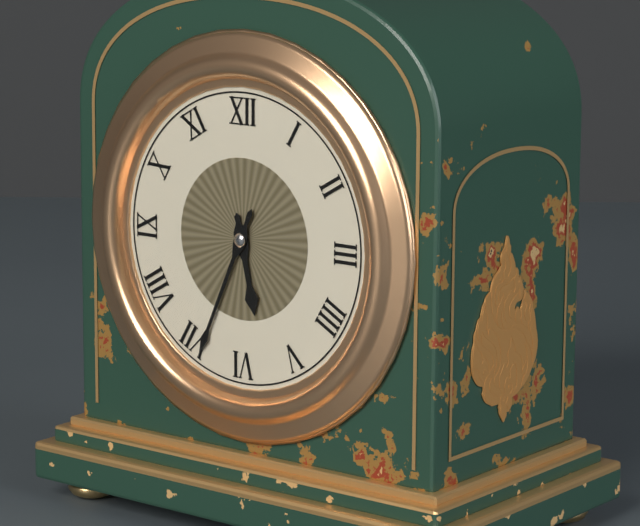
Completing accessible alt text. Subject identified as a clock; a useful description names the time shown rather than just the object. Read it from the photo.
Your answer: 5:34
